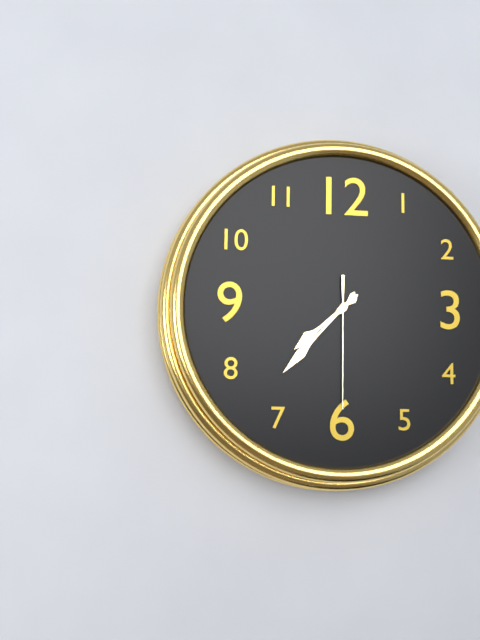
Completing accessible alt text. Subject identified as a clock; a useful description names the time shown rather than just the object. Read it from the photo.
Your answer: 7:37:30
